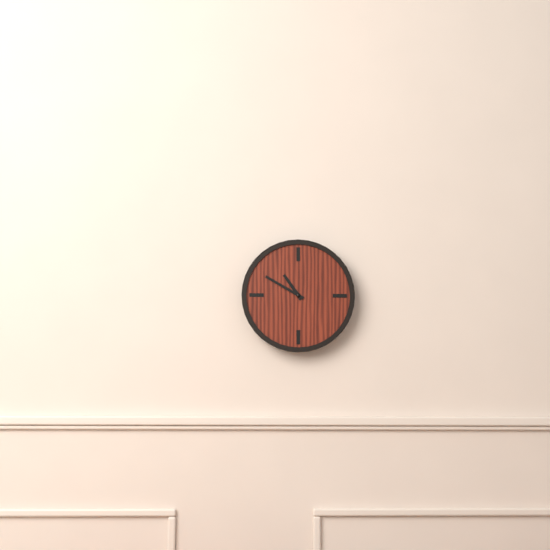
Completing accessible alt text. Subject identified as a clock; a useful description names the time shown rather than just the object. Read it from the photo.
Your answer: 10:50
